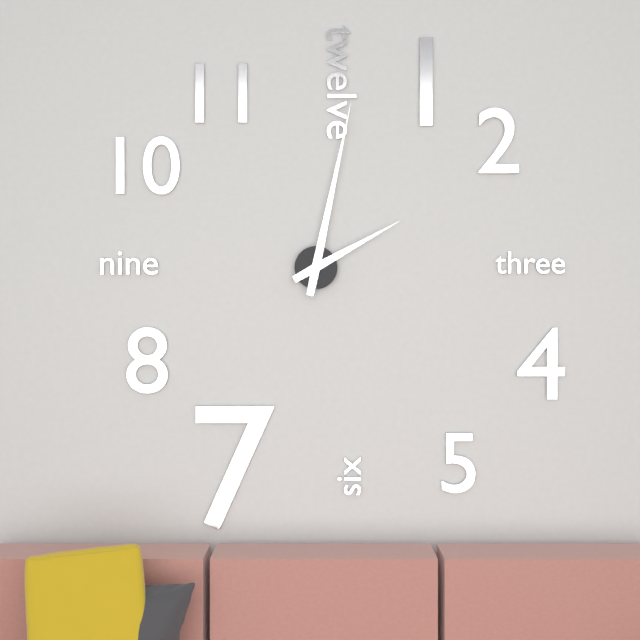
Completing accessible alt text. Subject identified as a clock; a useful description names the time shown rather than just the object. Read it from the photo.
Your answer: 2:02
